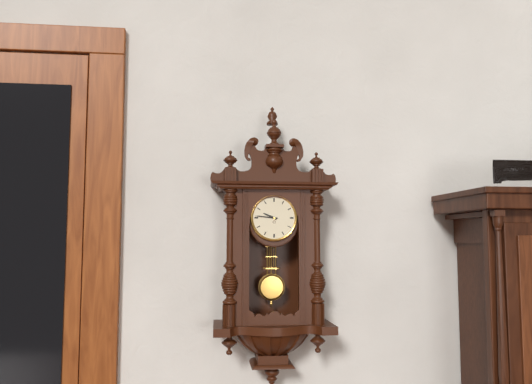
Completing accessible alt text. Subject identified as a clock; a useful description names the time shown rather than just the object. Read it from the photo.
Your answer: 9:46
